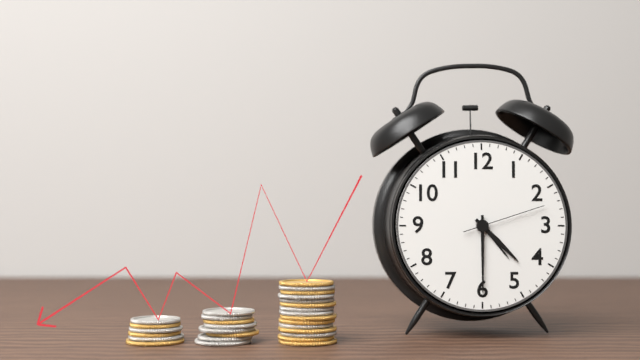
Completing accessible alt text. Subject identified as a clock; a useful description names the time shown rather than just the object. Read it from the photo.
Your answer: 4:30:12
